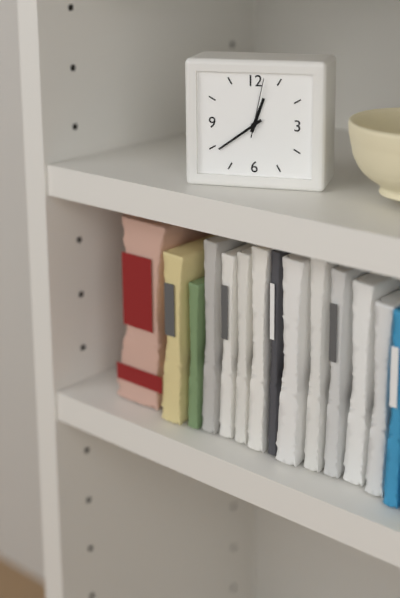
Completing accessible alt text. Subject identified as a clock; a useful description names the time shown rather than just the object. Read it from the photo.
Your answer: 12:39:02
